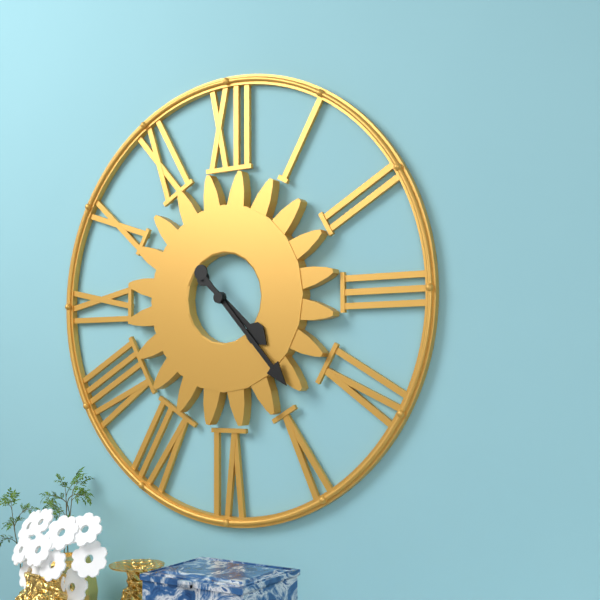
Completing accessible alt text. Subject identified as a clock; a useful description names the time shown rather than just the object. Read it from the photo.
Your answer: 4:23
